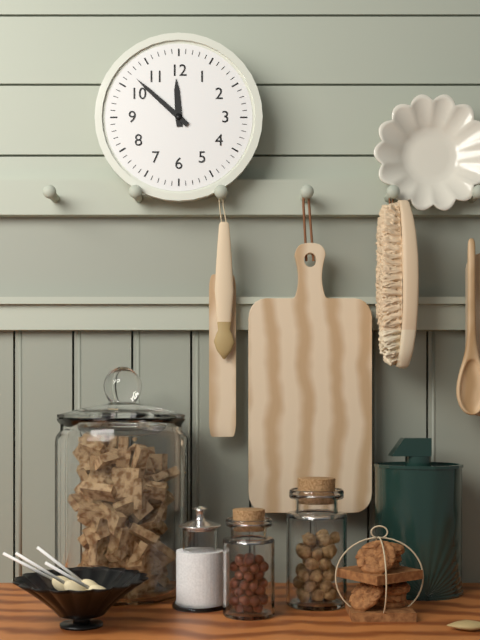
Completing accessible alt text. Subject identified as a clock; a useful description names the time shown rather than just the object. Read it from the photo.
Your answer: 11:52
